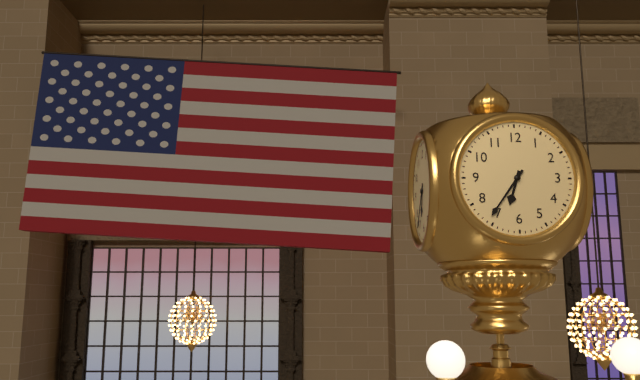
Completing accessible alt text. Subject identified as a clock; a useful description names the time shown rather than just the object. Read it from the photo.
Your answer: 6:36
